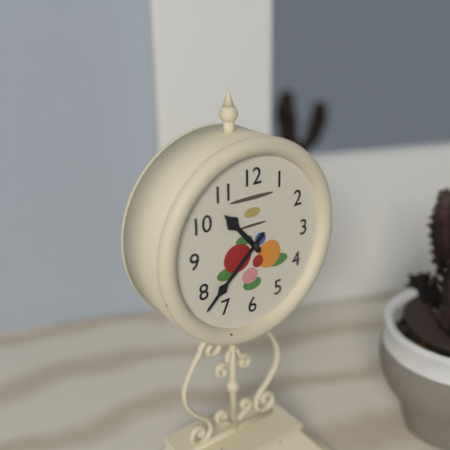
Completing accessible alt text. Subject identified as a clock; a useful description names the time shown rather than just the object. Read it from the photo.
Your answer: 10:38
